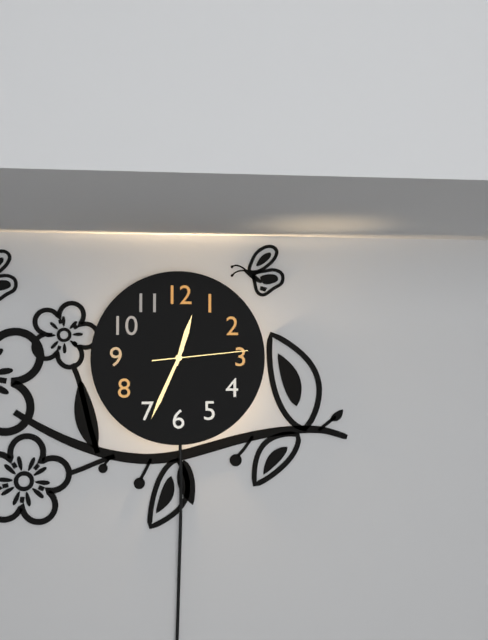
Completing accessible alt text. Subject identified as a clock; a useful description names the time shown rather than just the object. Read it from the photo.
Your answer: 12:34:14
